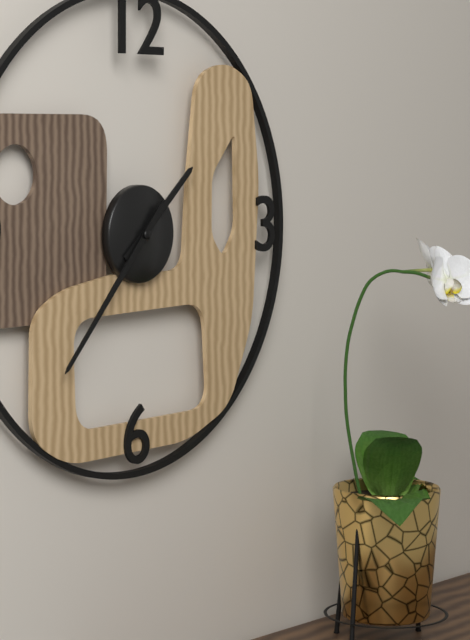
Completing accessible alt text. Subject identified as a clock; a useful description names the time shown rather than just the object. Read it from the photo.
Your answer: 1:37
